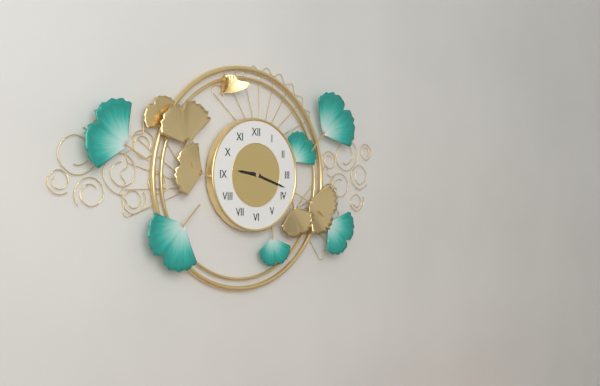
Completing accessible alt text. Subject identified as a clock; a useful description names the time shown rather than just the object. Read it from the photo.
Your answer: 9:18
